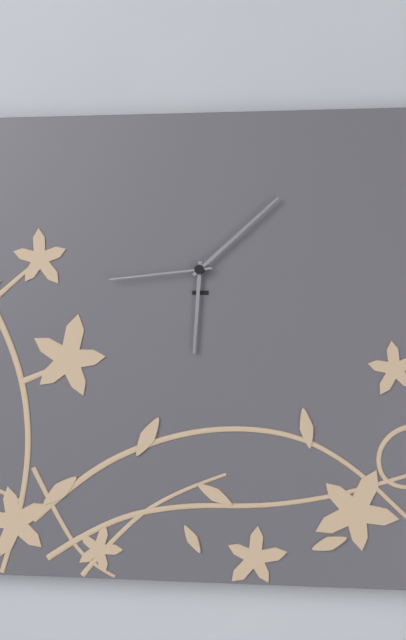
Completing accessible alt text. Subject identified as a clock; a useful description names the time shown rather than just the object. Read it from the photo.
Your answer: 6:08:44
